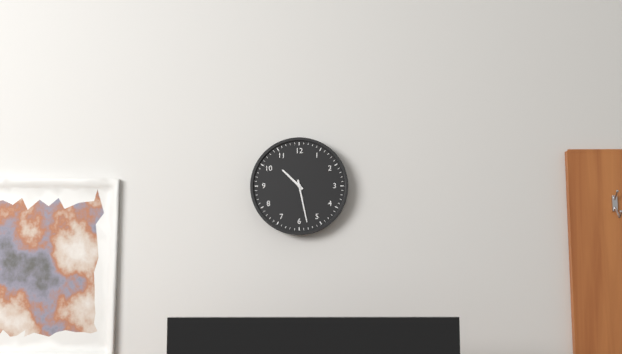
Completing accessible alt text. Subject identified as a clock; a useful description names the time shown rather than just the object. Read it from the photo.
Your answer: 10:28
